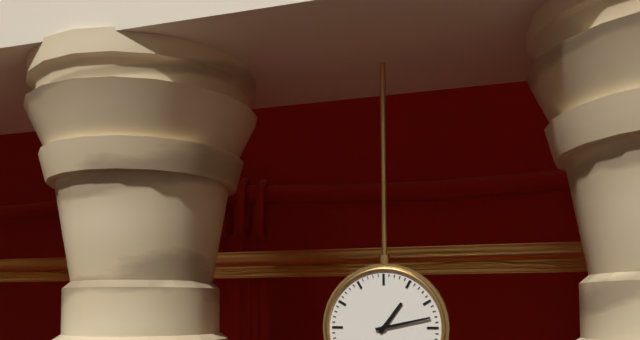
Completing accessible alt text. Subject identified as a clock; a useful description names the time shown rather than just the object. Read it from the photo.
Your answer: 1:13
